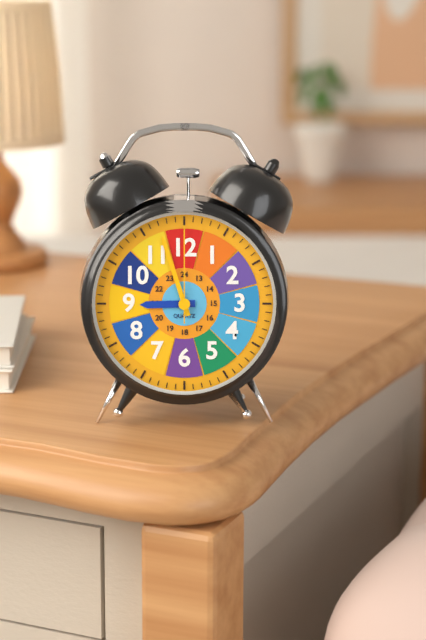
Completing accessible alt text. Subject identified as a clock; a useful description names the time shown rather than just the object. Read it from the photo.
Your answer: 8:57:00
